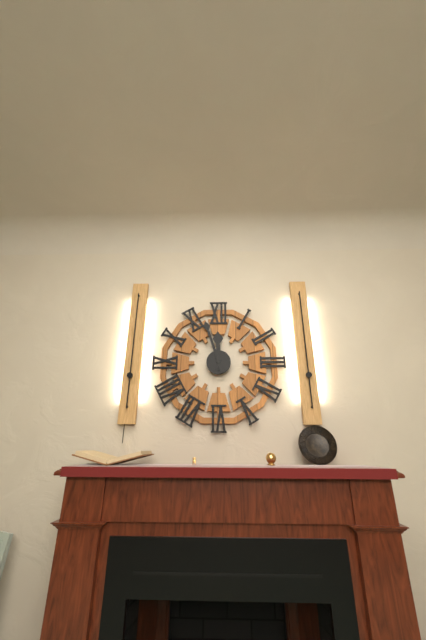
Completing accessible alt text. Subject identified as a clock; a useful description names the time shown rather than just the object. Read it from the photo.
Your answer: 11:57
